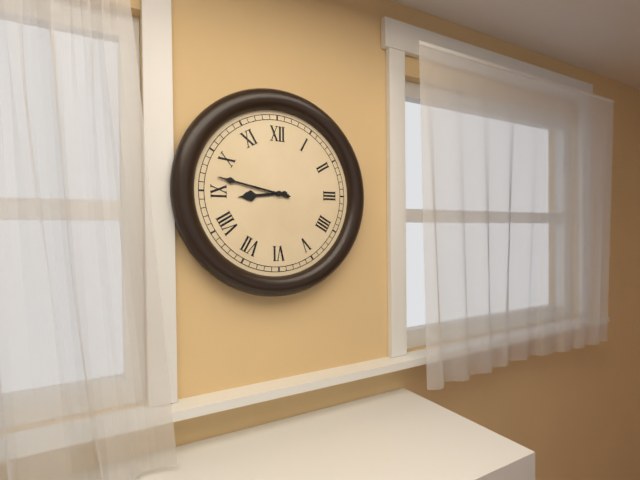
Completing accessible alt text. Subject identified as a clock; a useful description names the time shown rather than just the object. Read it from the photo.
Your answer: 8:47
